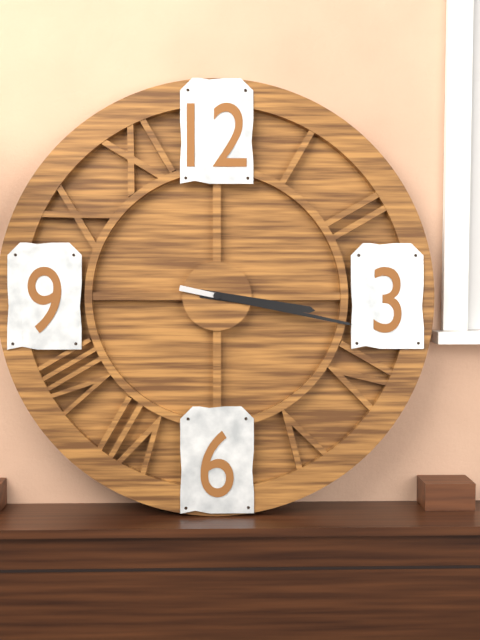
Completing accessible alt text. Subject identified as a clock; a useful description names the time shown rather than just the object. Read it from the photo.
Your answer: 3:17
